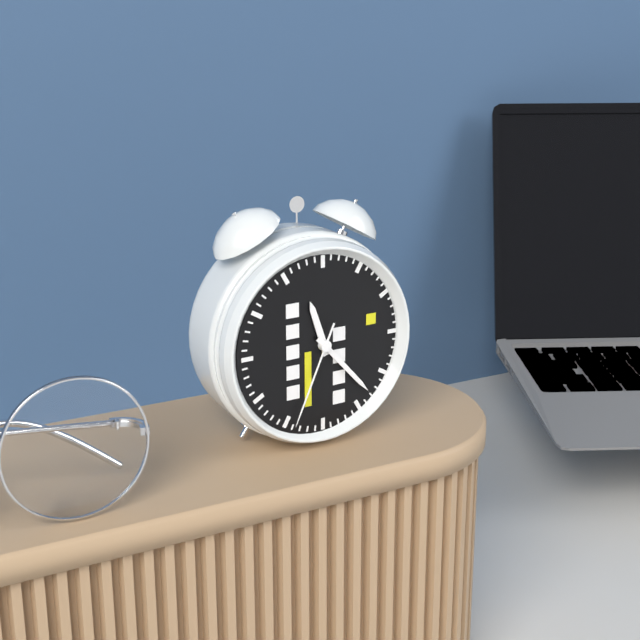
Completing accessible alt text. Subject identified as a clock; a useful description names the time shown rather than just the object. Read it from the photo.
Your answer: 11:23:34
